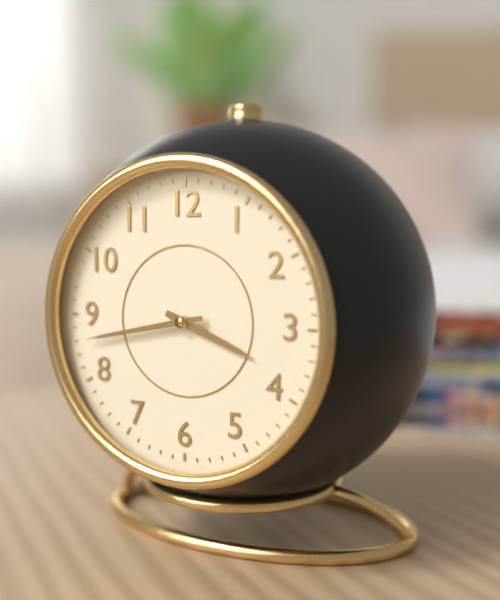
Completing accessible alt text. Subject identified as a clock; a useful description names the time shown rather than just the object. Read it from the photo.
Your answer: 3:43
